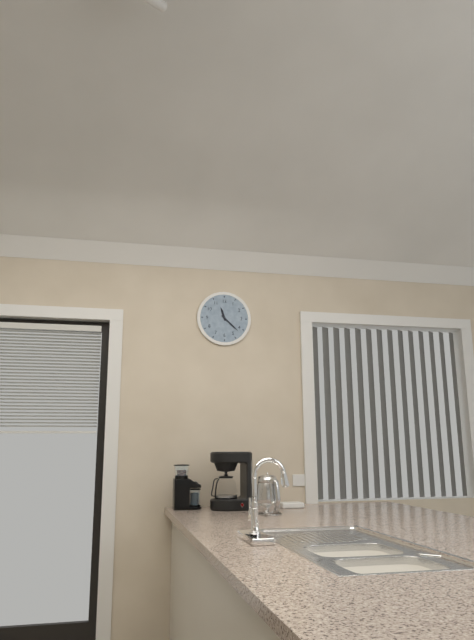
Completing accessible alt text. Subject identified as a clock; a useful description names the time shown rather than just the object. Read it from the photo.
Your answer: 11:22
